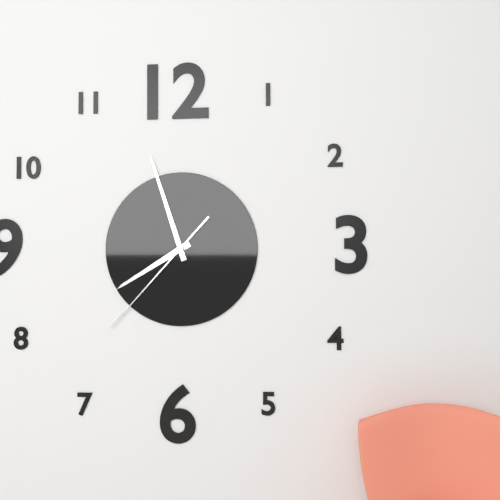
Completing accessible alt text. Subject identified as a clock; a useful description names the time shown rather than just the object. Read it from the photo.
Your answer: 7:57:37
